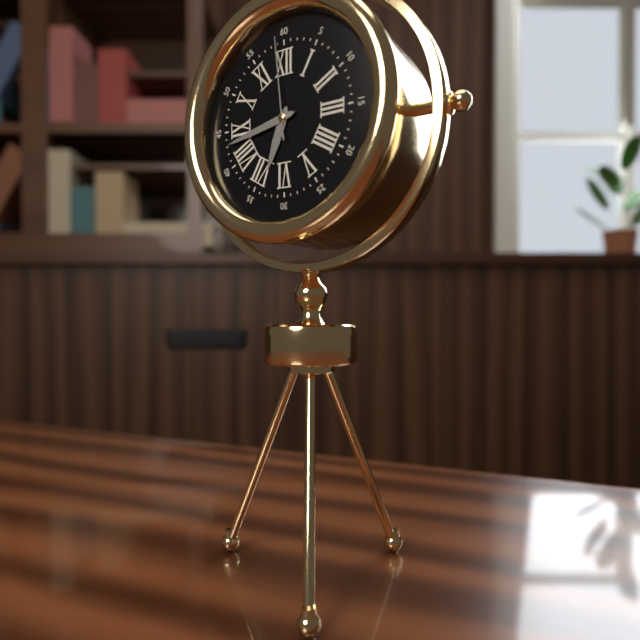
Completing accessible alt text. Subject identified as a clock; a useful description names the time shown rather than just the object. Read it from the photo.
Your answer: 6:43:59
